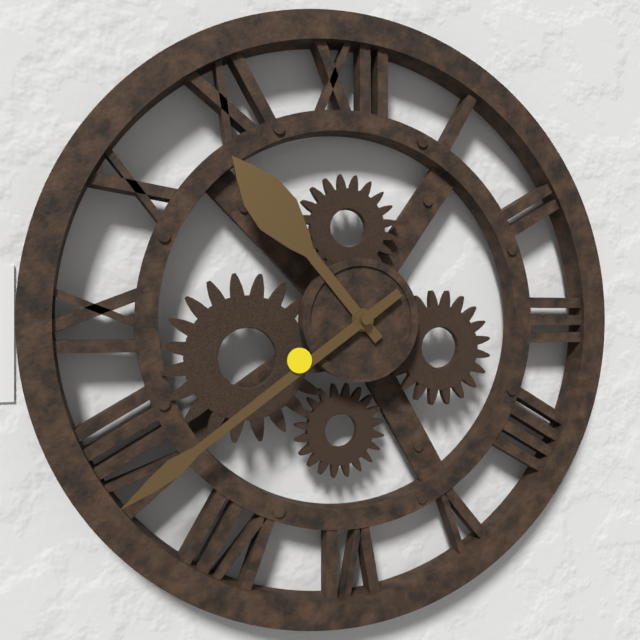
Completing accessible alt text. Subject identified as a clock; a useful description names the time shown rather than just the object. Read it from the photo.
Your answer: 10:39
